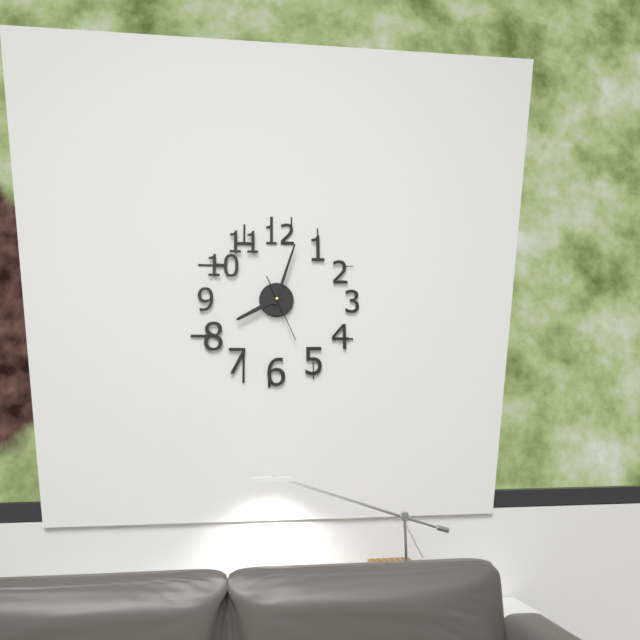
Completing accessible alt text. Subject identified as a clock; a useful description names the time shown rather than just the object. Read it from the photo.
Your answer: 8:03:26
